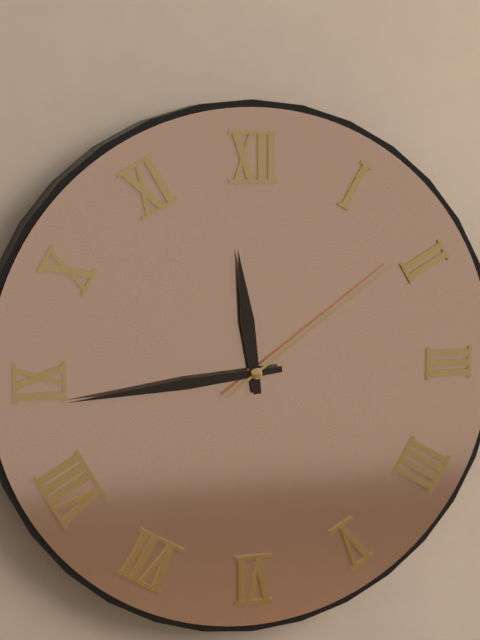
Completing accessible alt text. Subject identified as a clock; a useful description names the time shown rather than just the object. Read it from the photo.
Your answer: 11:44:09
